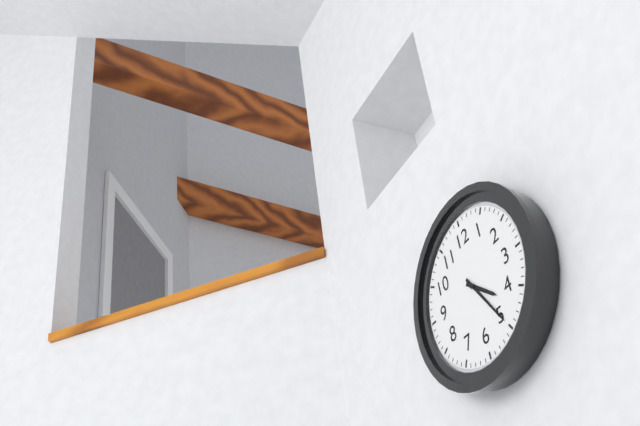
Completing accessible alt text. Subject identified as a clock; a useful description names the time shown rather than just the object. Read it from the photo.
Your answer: 4:25
